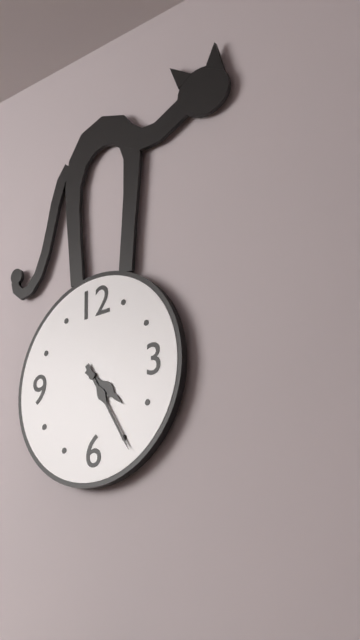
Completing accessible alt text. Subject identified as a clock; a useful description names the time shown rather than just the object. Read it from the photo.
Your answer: 4:25
